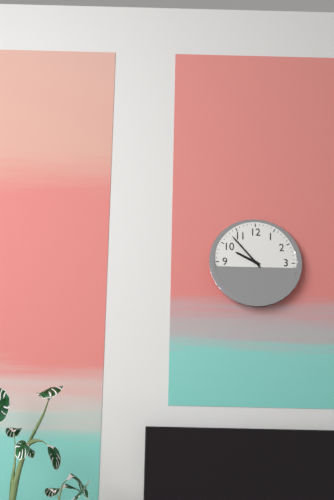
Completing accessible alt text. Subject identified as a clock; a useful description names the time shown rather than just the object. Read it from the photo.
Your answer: 9:53
